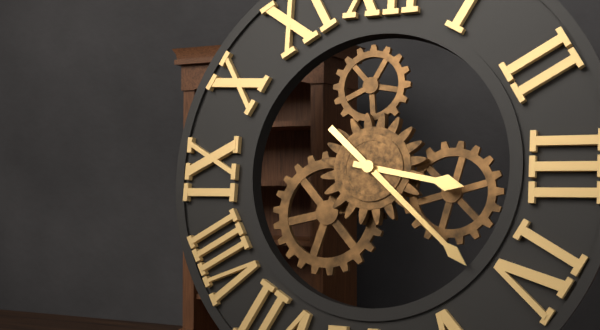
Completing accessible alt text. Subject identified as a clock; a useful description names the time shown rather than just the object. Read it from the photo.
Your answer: 3:22
